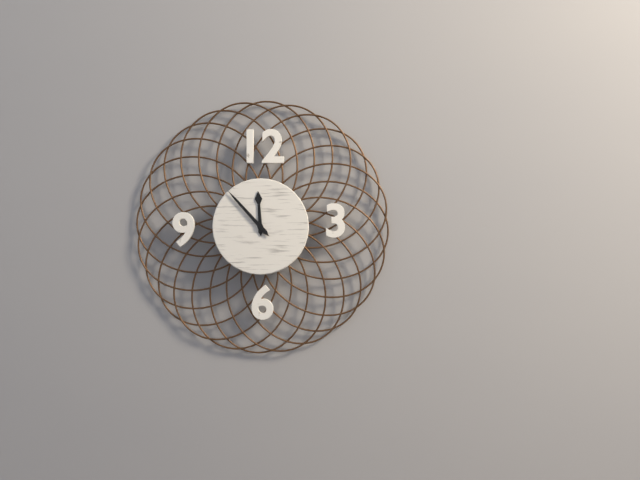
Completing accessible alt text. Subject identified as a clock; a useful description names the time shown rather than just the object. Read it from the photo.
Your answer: 11:53
